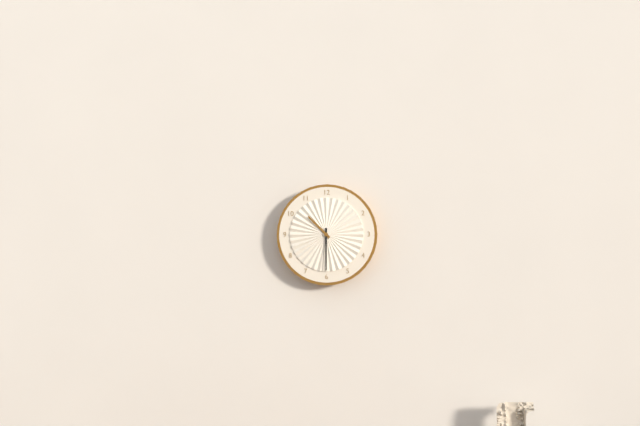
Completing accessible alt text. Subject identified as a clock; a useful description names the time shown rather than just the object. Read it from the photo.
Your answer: 10:30
